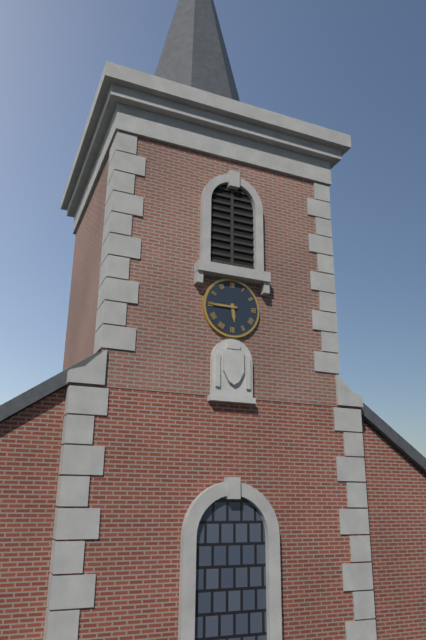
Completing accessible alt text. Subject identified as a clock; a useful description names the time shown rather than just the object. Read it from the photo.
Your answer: 5:45
